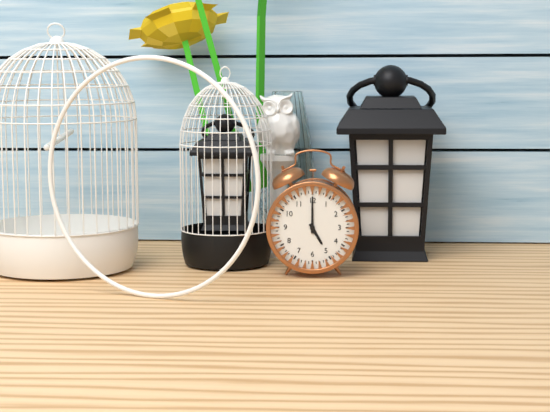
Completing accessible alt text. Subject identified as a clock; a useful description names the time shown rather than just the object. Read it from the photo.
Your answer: 5:00
